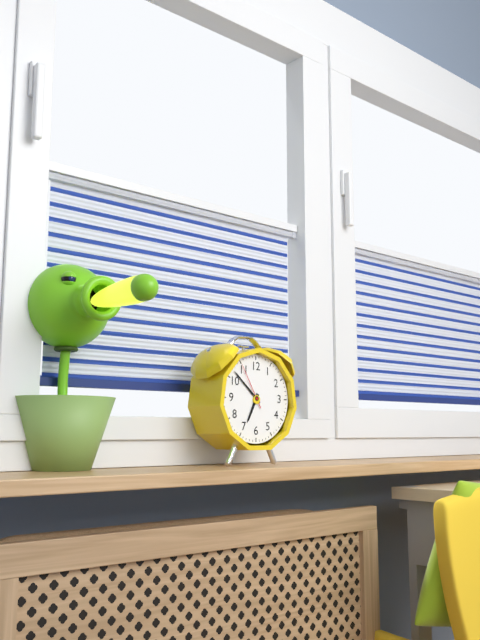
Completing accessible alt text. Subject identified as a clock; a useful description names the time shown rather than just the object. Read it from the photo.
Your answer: 6:52
